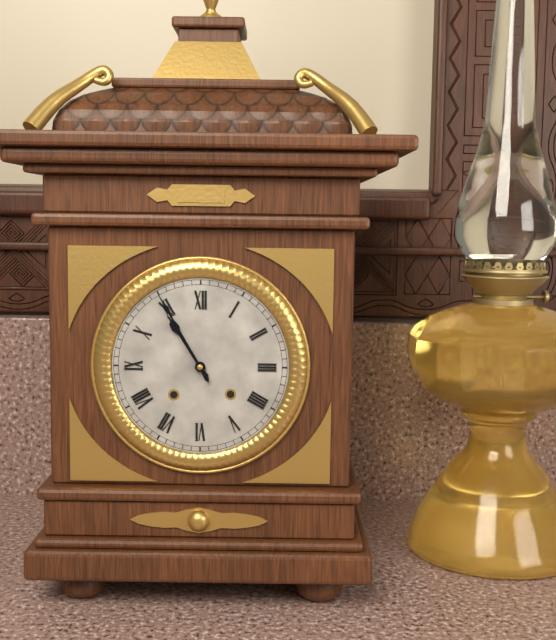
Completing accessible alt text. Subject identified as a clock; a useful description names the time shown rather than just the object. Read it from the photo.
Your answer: 10:55
